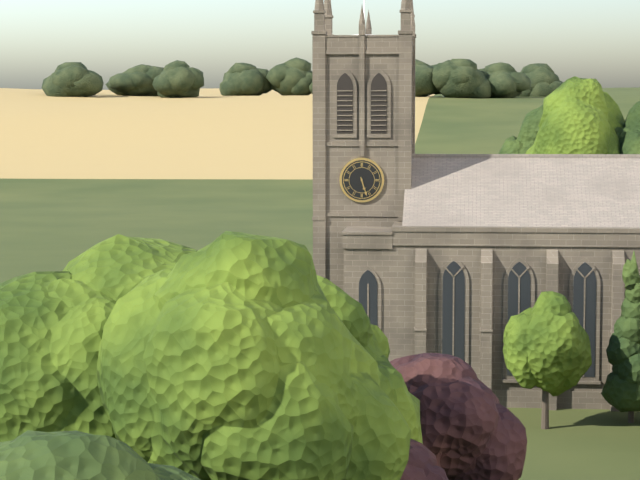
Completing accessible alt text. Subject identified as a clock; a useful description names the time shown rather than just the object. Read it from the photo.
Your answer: 5:27
